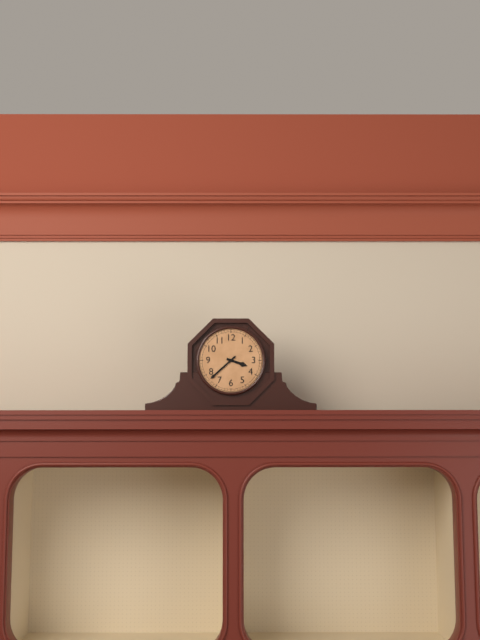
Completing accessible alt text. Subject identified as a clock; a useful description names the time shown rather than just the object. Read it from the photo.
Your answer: 3:38
